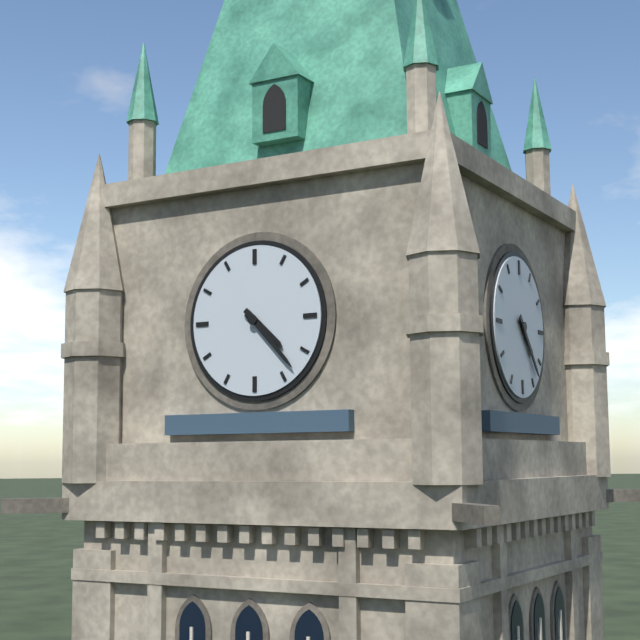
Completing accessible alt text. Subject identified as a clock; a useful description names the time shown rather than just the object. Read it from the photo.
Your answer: 4:23
